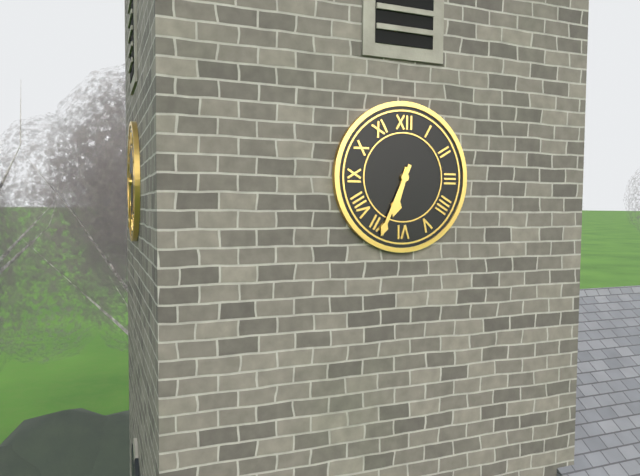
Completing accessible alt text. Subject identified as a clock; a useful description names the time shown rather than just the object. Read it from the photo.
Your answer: 6:34
